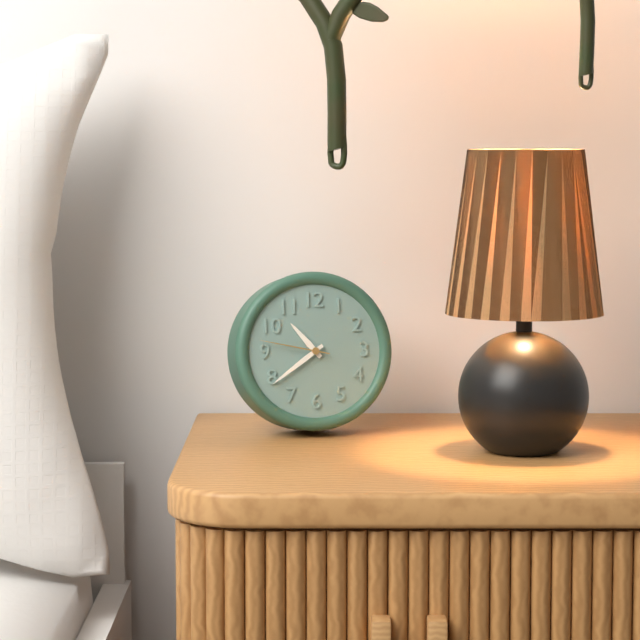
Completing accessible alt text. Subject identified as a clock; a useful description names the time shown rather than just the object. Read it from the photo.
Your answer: 10:39:47
